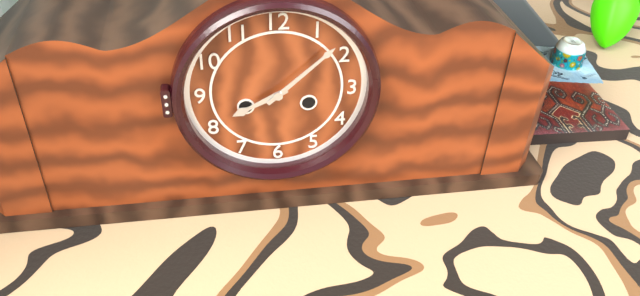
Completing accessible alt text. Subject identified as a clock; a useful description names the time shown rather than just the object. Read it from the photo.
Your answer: 8:08
